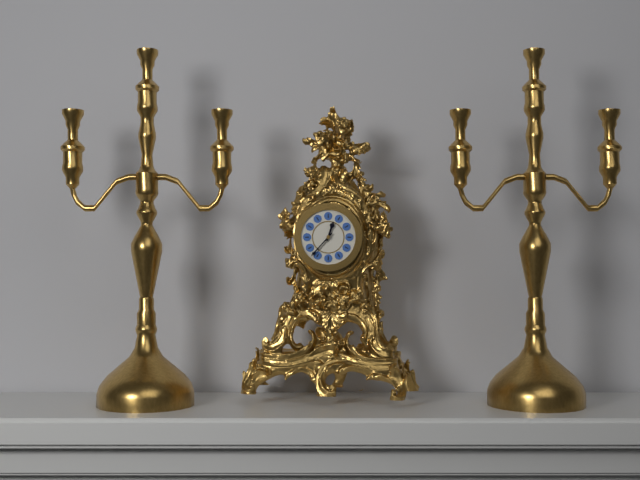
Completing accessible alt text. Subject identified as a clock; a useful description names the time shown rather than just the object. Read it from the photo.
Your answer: 12:37
